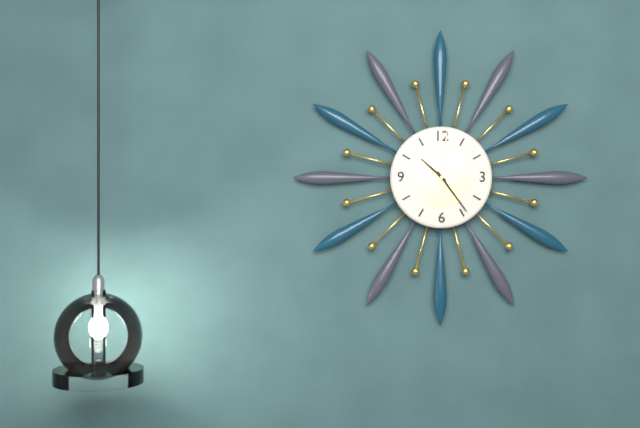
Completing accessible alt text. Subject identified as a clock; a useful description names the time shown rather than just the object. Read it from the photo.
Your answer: 10:24:01
